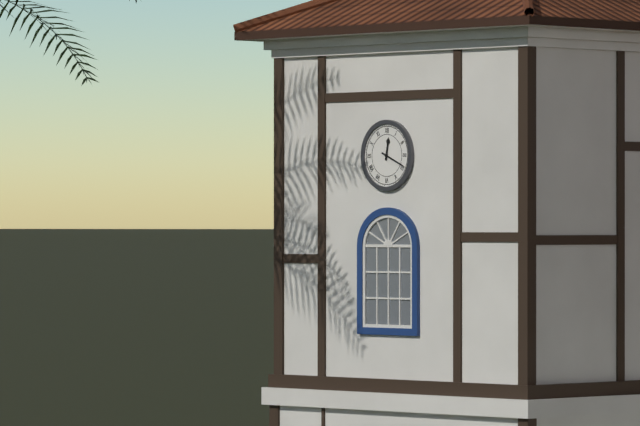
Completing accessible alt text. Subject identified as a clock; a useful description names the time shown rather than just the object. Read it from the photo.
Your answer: 12:19
